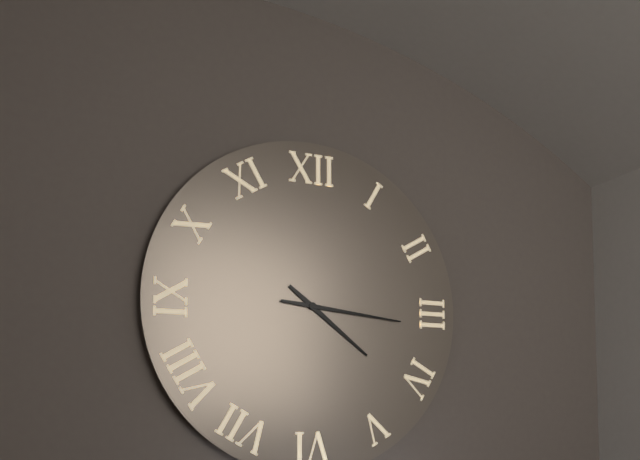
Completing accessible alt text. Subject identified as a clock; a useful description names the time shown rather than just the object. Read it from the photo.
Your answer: 4:16
